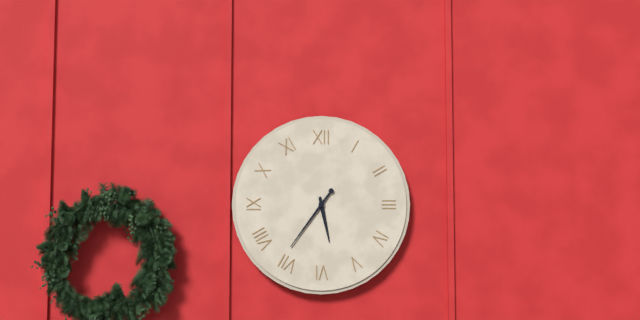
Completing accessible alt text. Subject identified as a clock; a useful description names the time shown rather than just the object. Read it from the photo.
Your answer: 5:36
